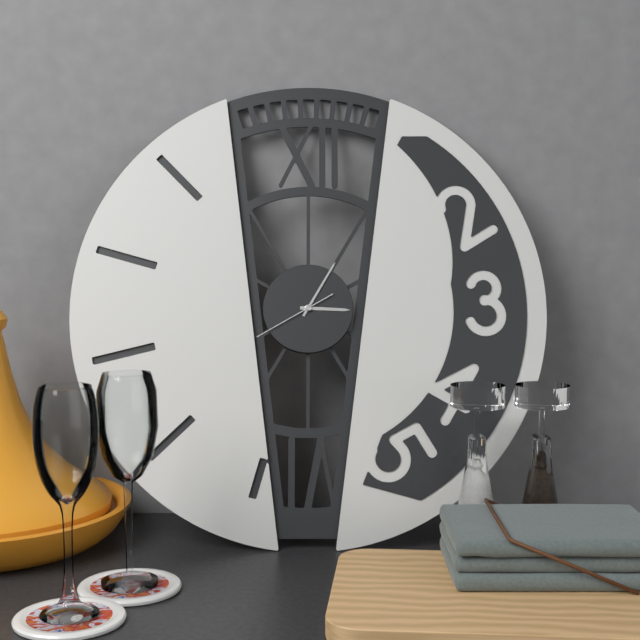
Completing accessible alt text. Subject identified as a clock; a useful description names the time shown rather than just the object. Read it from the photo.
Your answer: 3:05:40
